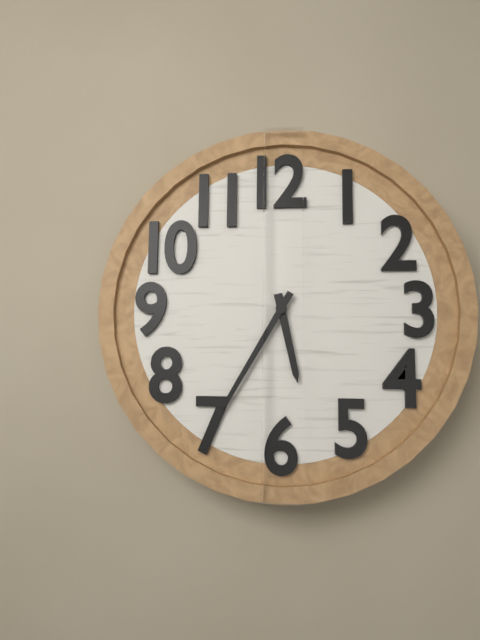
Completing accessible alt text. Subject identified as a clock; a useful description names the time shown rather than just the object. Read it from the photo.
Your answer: 5:35
